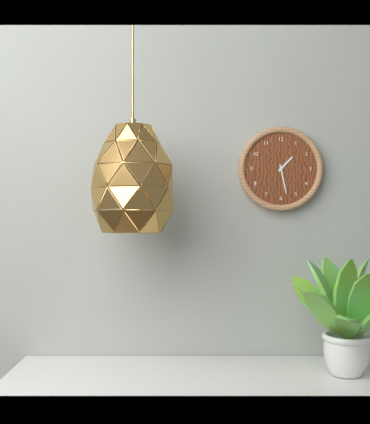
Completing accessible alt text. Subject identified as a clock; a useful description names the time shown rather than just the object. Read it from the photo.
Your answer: 1:28
